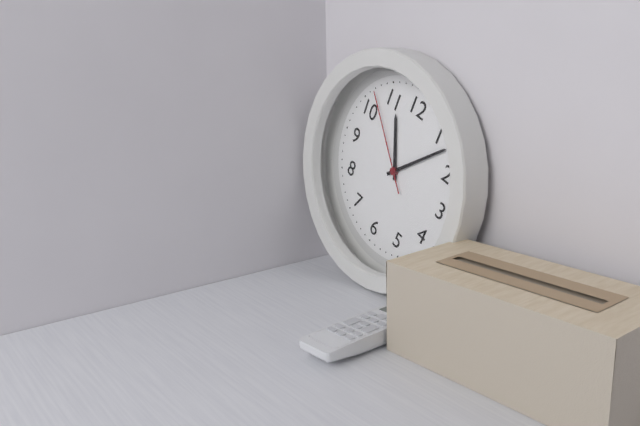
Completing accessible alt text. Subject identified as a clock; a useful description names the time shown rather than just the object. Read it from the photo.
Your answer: 11:07:52
